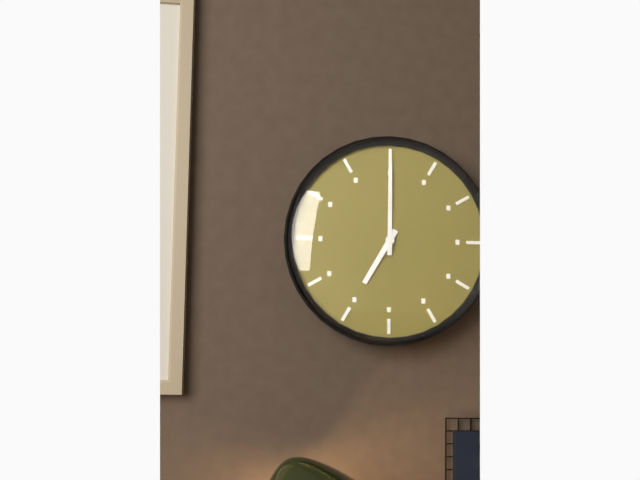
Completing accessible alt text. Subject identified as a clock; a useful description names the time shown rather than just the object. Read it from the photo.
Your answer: 7:00
